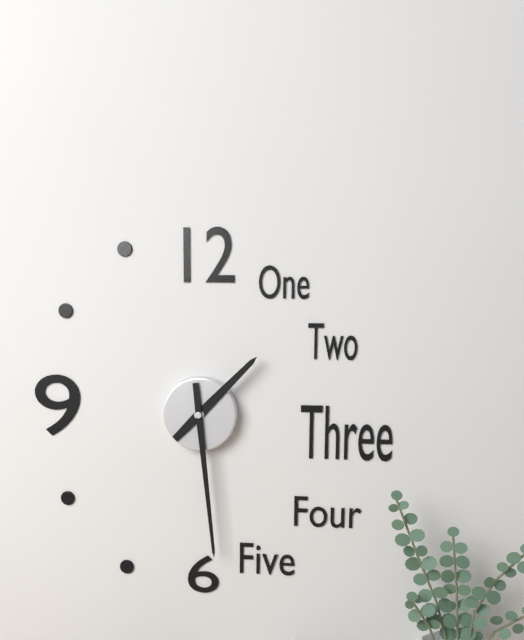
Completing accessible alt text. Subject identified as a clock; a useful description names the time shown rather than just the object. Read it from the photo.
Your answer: 1:29
